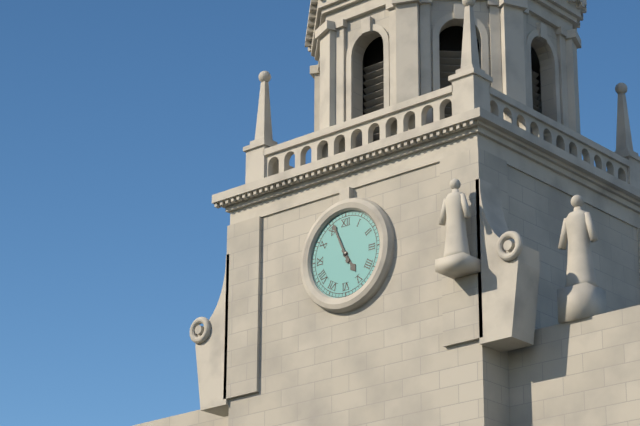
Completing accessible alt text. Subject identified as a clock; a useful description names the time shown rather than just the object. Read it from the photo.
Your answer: 4:56
